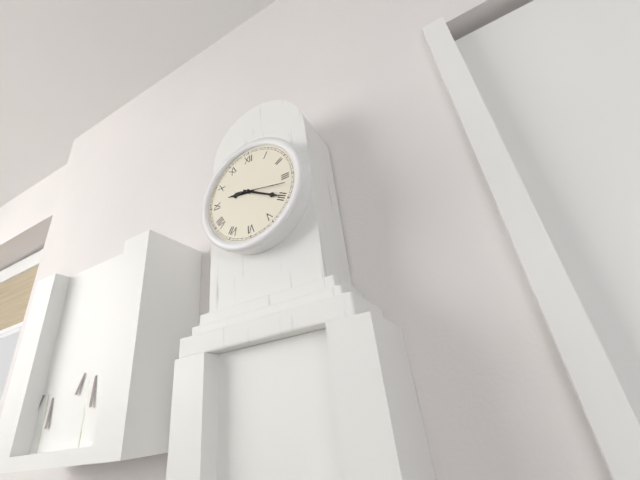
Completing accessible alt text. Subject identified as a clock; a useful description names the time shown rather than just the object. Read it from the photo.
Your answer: 9:20
